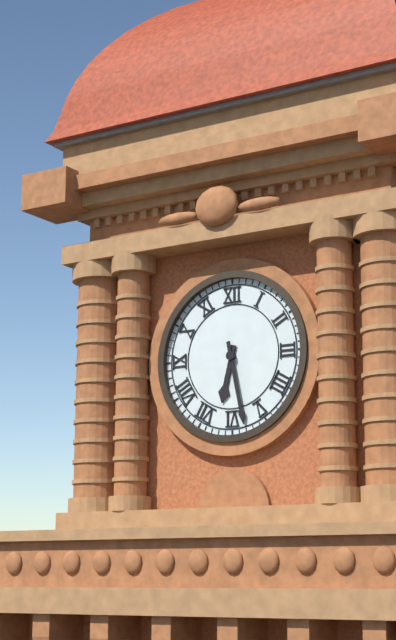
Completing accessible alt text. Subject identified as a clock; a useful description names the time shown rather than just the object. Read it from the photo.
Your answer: 6:28
